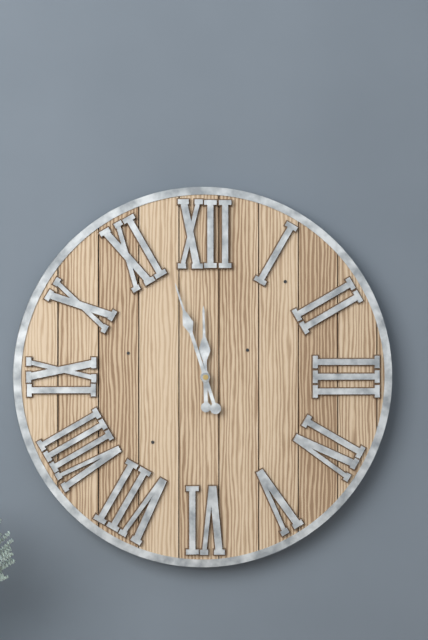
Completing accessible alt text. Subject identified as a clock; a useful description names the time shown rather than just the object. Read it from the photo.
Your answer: 11:57
